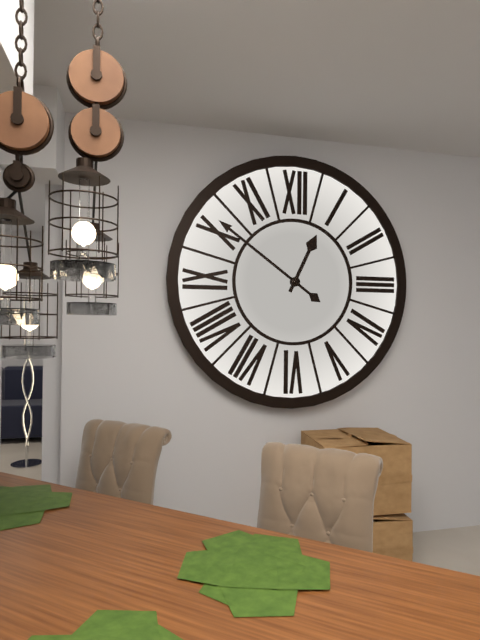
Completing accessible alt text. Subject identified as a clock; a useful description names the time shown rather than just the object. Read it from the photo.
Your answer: 12:51
